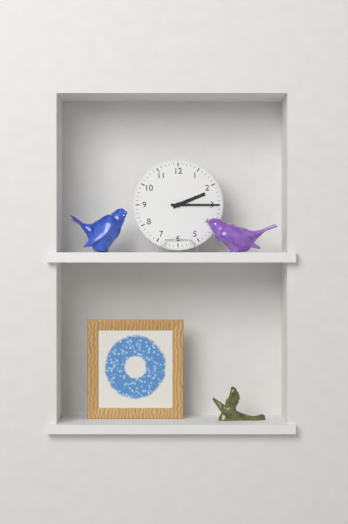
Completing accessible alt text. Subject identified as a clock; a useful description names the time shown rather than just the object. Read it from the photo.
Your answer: 2:15
